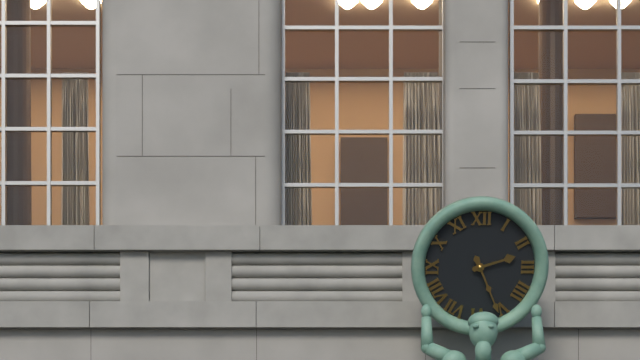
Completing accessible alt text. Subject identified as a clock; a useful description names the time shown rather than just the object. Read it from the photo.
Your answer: 2:26
